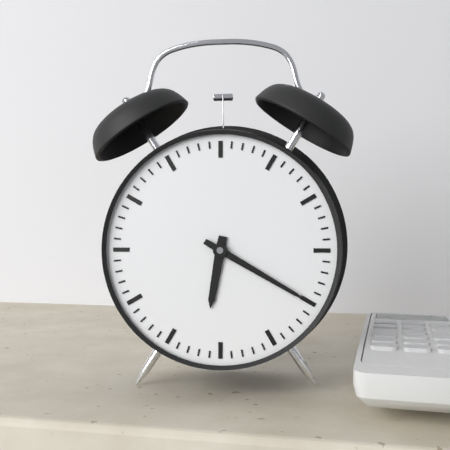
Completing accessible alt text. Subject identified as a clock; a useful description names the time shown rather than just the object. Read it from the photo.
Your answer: 6:20
